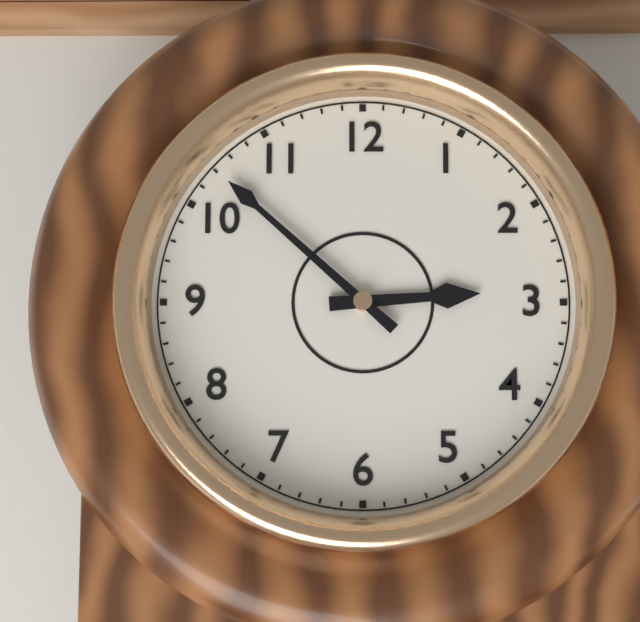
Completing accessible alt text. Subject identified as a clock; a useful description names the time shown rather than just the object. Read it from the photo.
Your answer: 2:52
